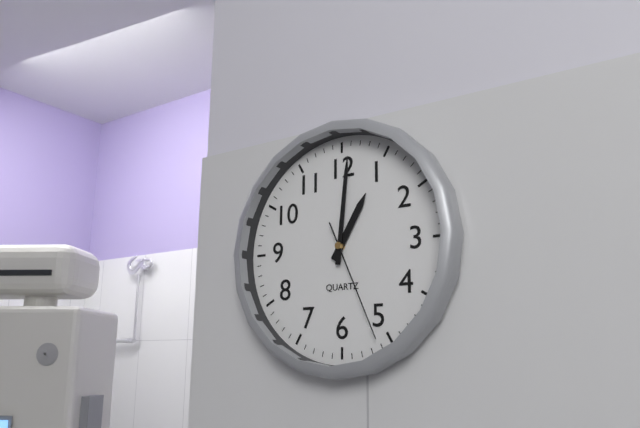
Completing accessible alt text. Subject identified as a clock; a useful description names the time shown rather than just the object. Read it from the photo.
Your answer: 1:01:26
